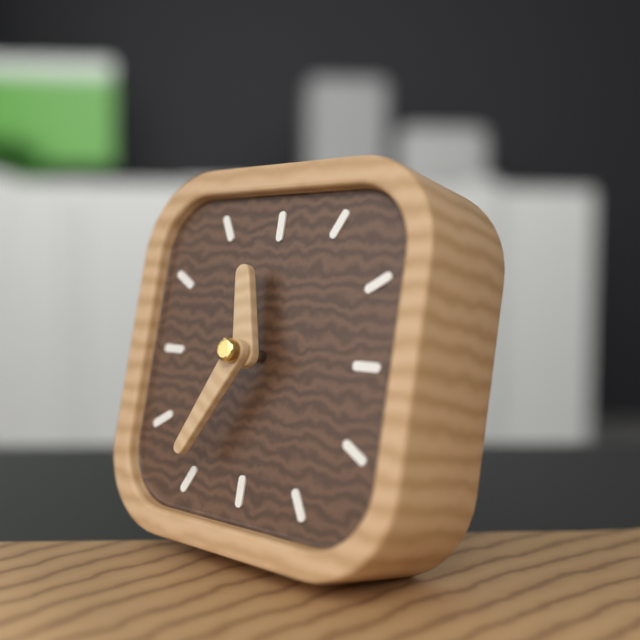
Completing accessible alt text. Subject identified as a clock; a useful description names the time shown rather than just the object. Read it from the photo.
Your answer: 11:35
